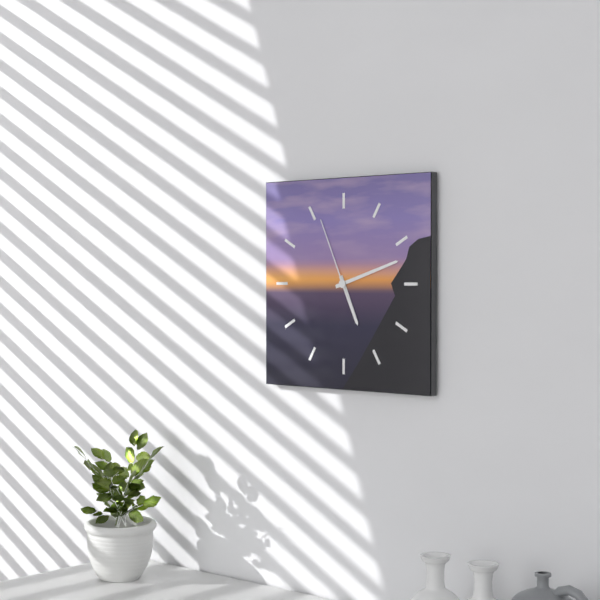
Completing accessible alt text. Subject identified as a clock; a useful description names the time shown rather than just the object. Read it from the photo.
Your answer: 5:12:56
